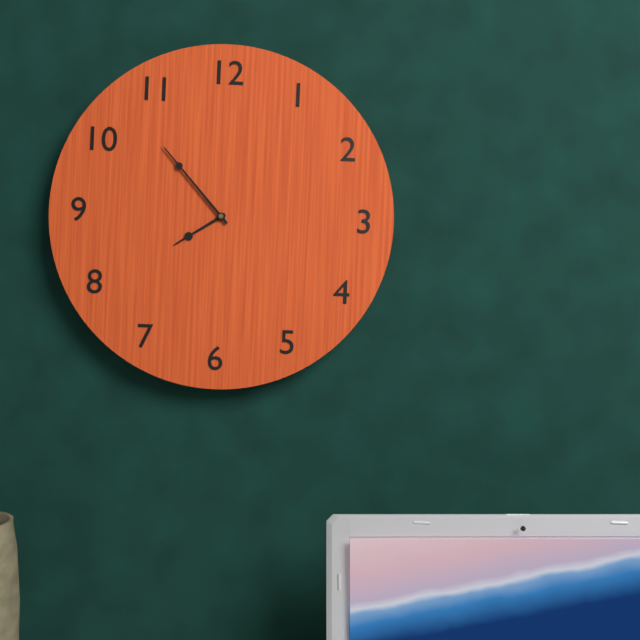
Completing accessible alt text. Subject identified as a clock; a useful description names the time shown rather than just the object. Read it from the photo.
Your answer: 7:53
